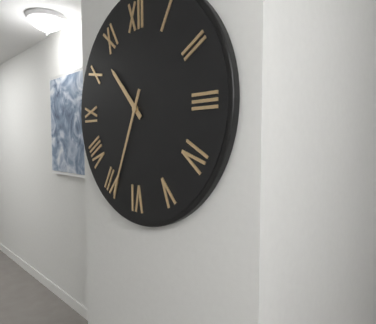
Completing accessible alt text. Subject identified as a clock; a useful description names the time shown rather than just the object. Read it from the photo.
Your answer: 10:34
